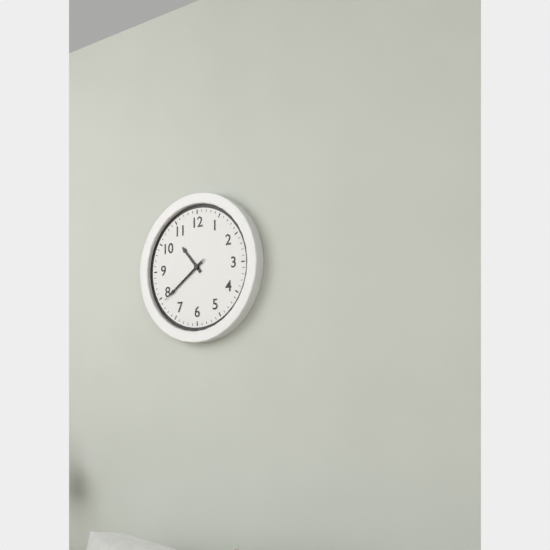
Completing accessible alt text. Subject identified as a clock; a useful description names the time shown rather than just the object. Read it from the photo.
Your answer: 10:39:39
